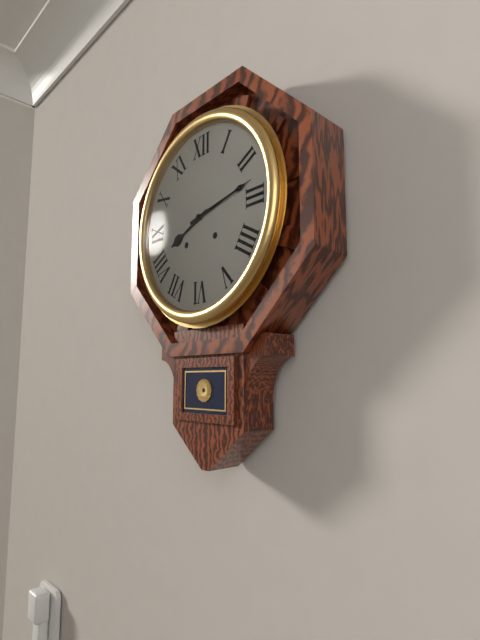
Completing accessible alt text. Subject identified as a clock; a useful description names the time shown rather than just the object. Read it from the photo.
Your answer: 8:13
